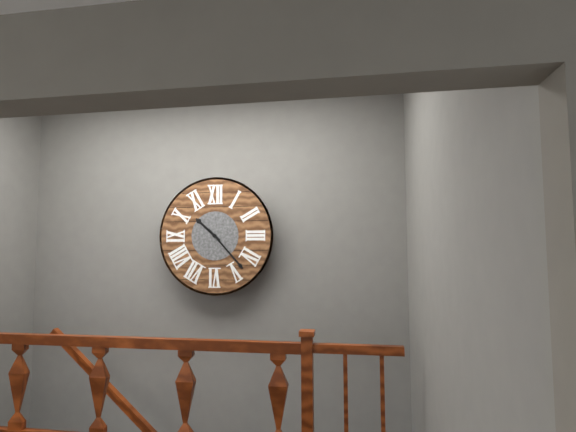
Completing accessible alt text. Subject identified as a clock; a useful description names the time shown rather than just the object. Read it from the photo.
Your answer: 10:23
